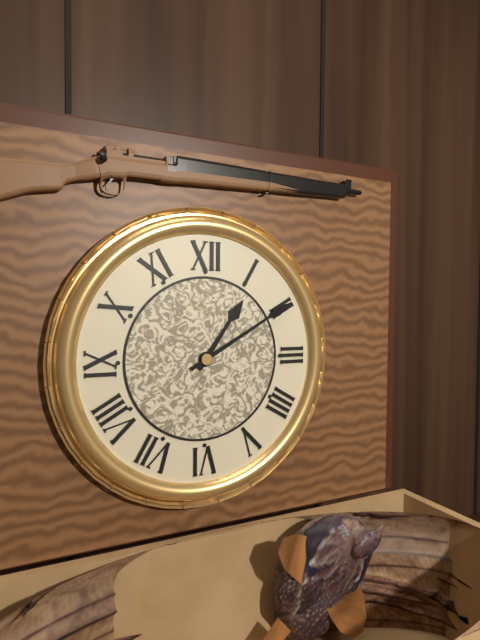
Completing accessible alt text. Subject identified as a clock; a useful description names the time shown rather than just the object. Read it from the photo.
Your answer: 1:10
